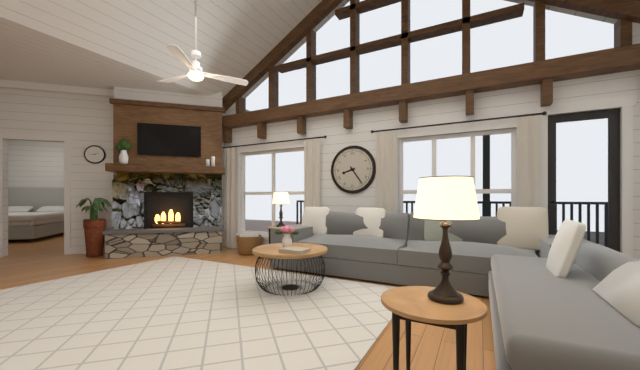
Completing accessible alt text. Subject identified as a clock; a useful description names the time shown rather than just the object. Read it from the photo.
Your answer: 8:24
